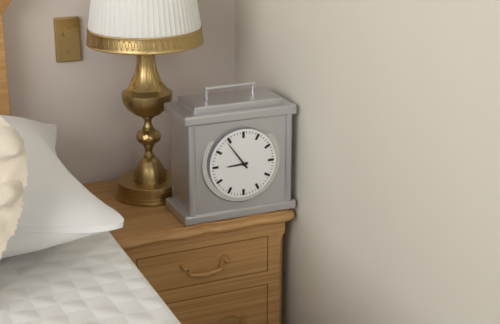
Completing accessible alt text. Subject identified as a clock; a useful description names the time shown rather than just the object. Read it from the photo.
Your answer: 8:54
